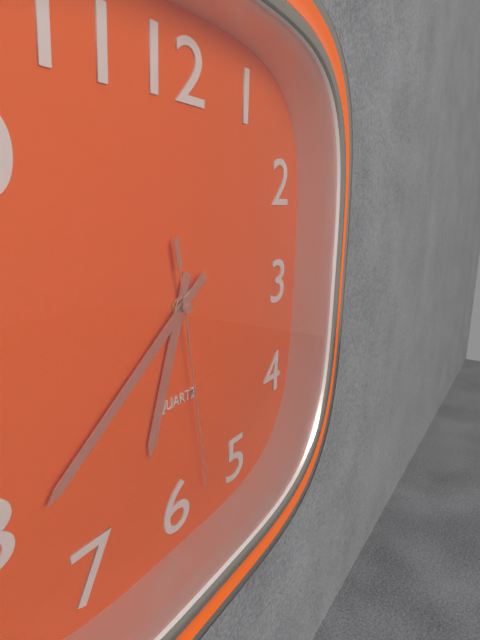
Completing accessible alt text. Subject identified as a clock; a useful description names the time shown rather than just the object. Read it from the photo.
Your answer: 6:39:28
